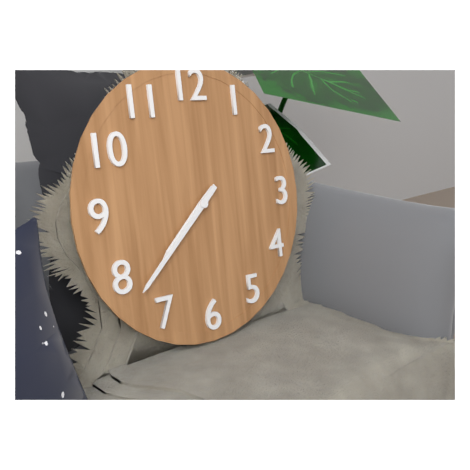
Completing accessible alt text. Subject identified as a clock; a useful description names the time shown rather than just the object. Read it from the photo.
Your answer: 7:38
